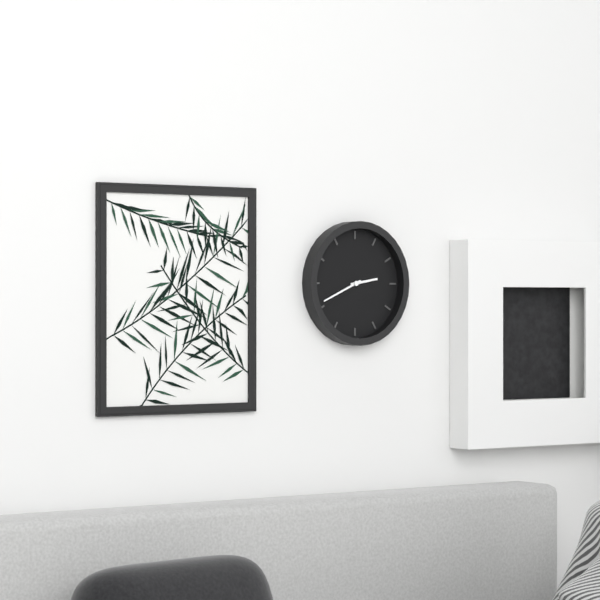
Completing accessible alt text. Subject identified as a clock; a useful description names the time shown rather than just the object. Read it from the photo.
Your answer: 2:41
